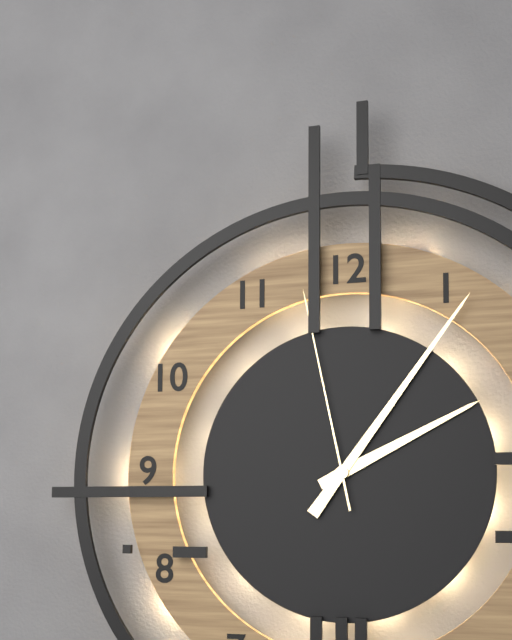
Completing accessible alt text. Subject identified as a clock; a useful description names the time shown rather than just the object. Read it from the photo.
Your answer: 2:06:58
